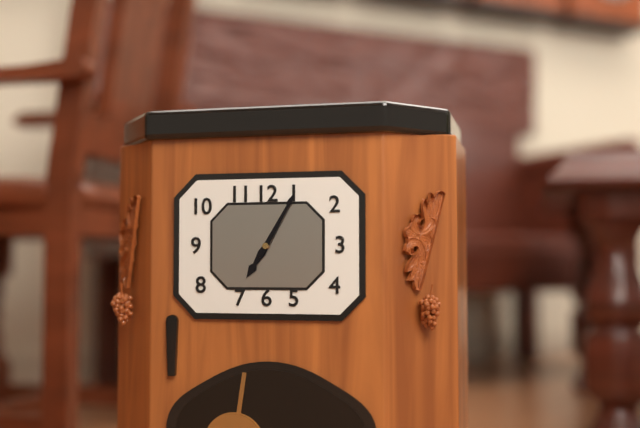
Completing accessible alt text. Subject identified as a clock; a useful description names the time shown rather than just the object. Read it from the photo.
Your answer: 7:05
